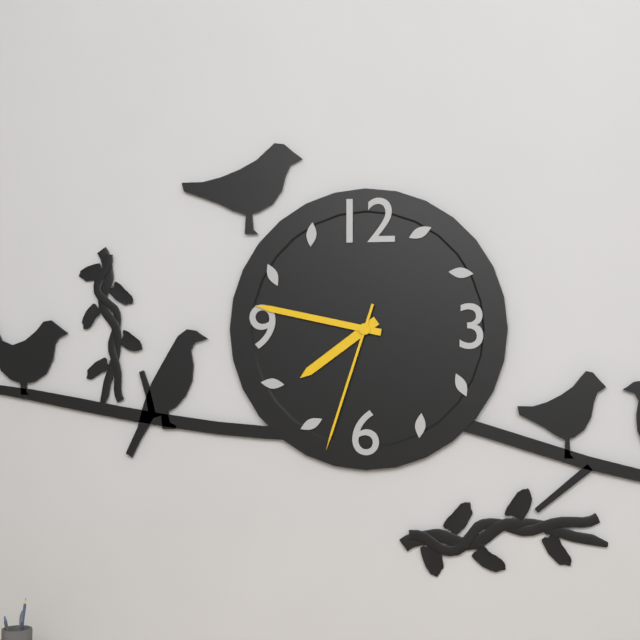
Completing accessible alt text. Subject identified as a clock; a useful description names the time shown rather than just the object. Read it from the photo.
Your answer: 7:47:33
